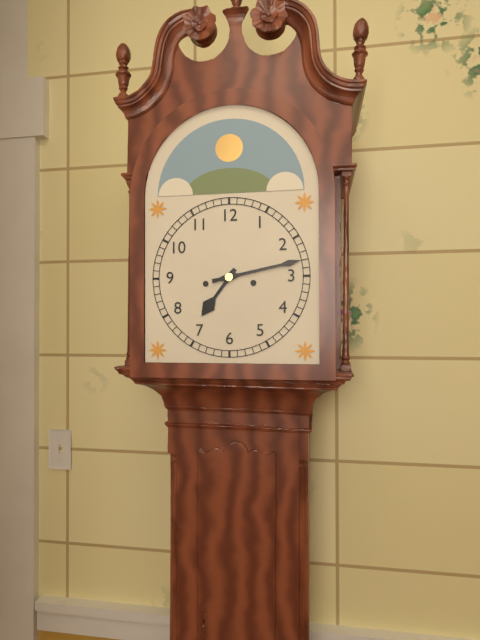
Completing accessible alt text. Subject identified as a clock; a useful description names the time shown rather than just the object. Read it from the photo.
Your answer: 7:13
